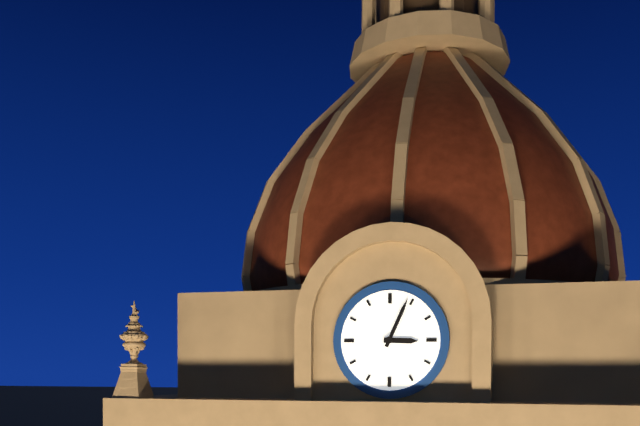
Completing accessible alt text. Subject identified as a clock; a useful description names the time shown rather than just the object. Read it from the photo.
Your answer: 3:04
